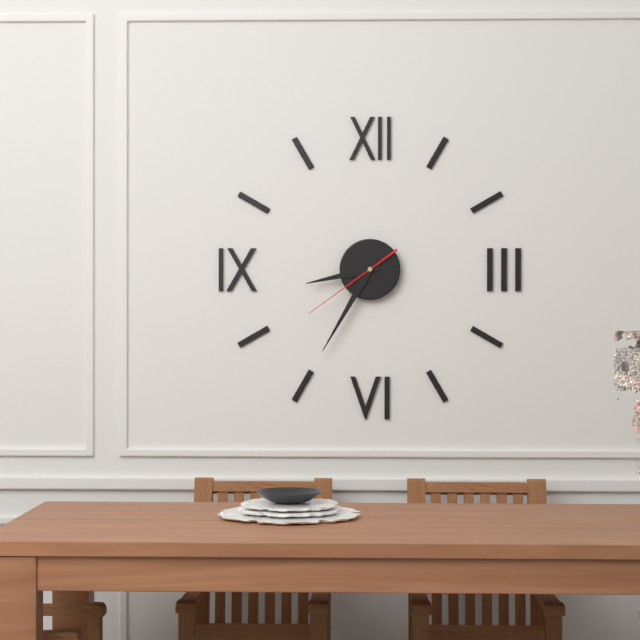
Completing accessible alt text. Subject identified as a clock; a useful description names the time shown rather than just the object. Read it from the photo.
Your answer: 8:35:39
